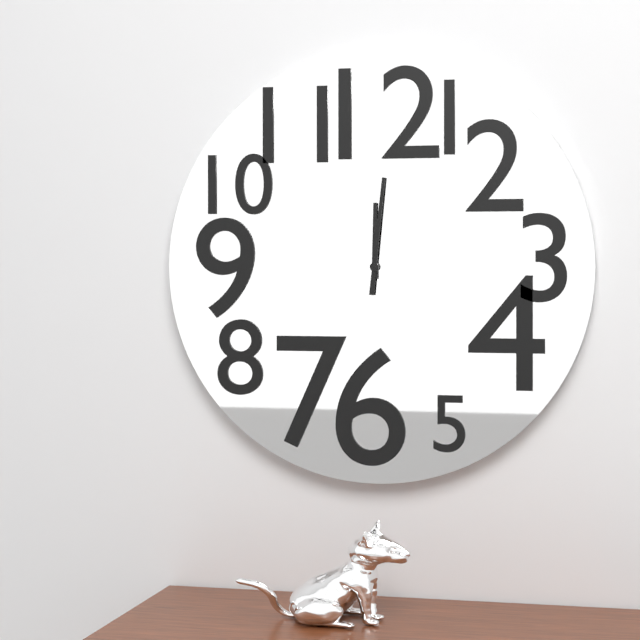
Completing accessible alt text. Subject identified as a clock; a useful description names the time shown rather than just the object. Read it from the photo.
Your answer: 12:01
